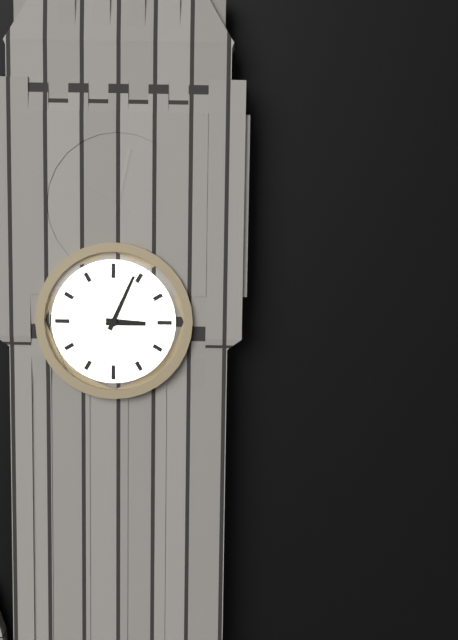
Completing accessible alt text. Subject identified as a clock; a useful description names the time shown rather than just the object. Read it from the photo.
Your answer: 3:04
